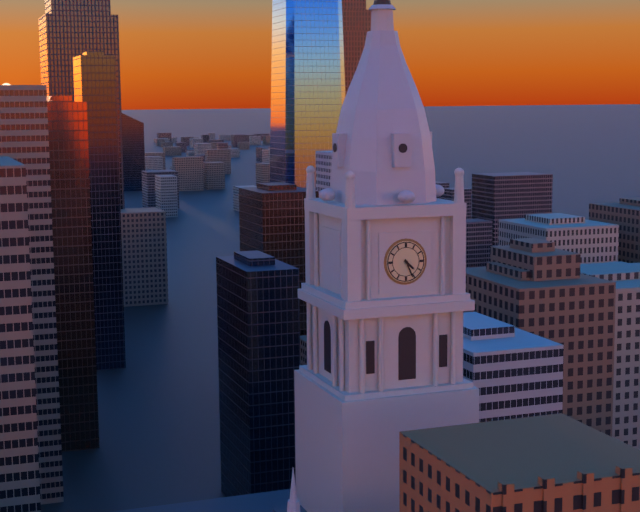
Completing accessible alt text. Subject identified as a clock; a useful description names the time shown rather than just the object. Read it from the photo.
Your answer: 4:26
